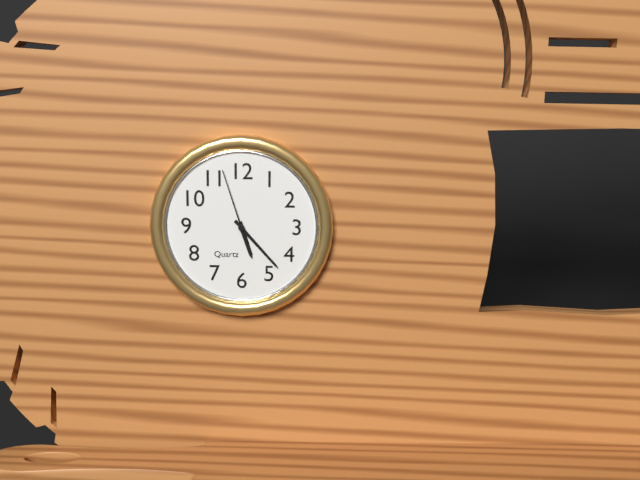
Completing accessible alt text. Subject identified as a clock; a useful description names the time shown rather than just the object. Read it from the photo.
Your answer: 5:23:57
